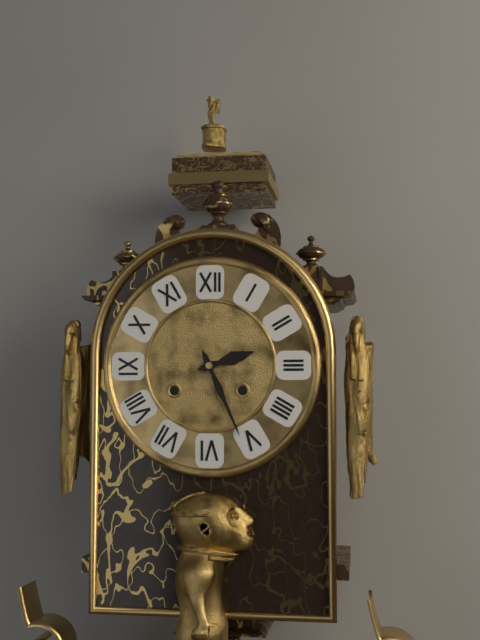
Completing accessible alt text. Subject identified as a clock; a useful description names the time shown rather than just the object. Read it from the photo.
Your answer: 2:26
